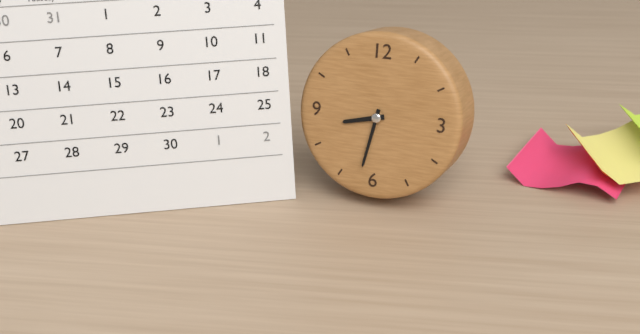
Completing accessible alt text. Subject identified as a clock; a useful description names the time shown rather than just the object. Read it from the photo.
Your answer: 8:32
